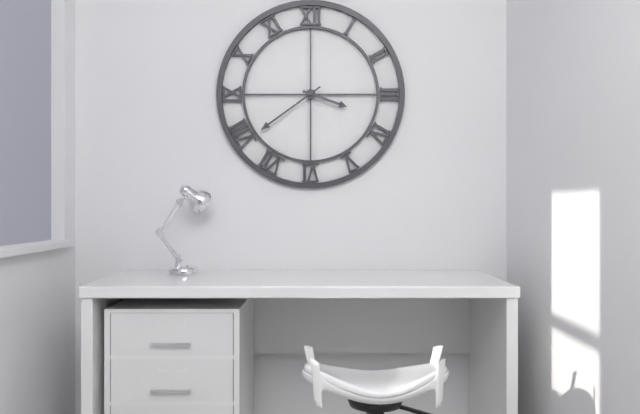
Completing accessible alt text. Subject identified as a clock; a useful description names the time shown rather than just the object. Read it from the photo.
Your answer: 3:39
